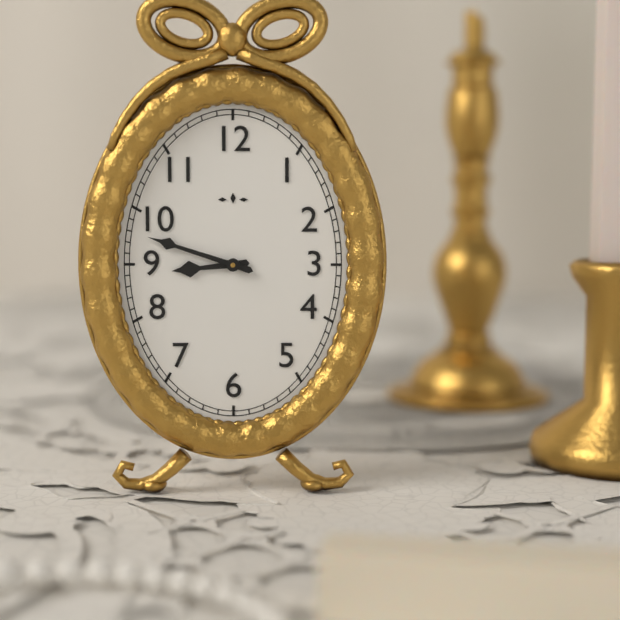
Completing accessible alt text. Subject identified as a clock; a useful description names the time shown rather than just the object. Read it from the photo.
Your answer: 8:48
